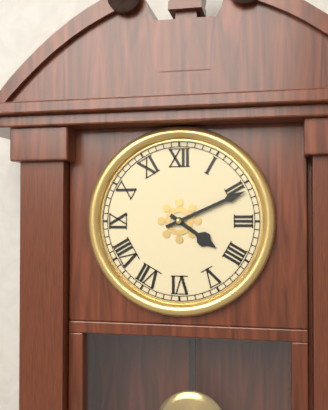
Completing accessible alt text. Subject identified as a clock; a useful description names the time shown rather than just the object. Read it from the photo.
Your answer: 4:11
